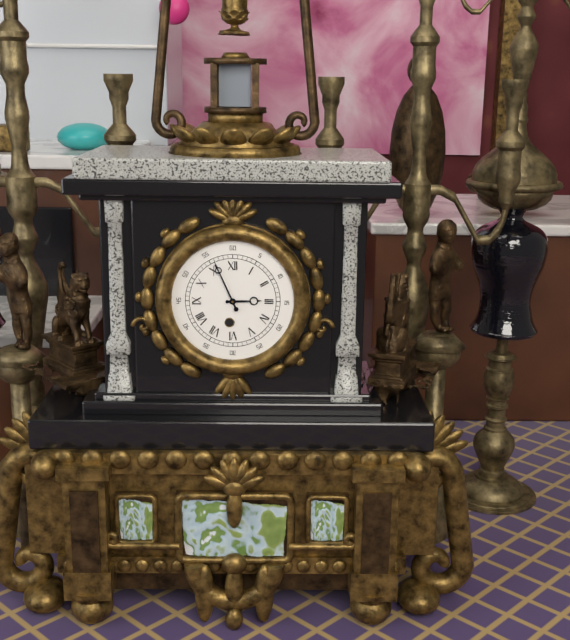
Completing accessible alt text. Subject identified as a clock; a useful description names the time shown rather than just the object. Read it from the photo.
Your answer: 2:56
